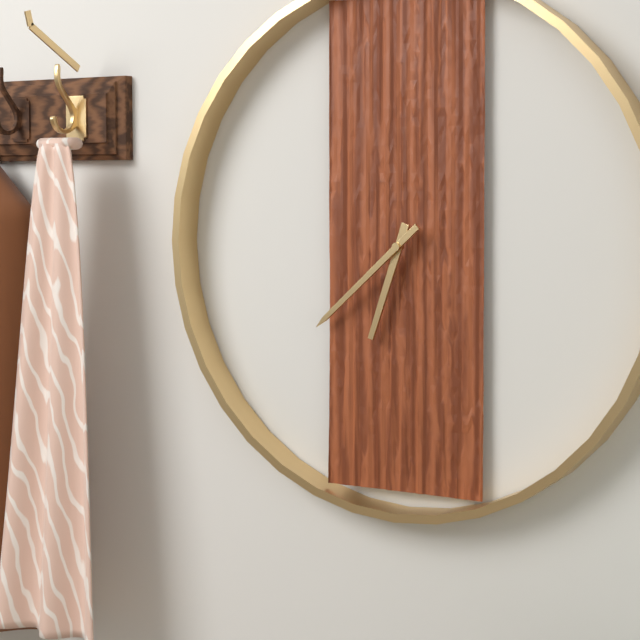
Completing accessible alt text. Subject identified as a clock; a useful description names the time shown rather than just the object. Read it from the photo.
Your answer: 6:38
